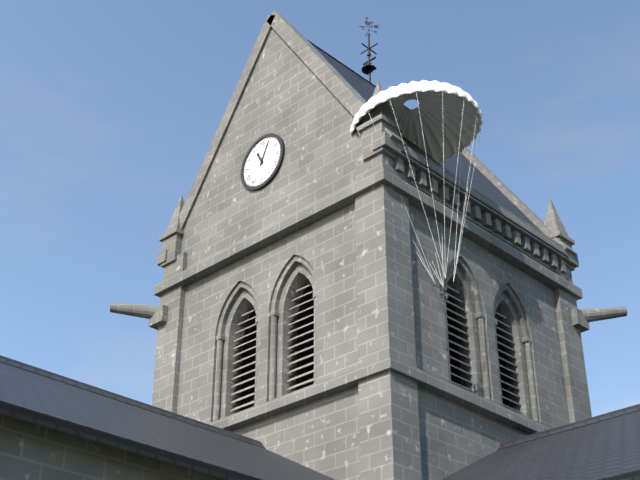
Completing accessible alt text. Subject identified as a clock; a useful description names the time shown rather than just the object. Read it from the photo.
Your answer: 11:04
